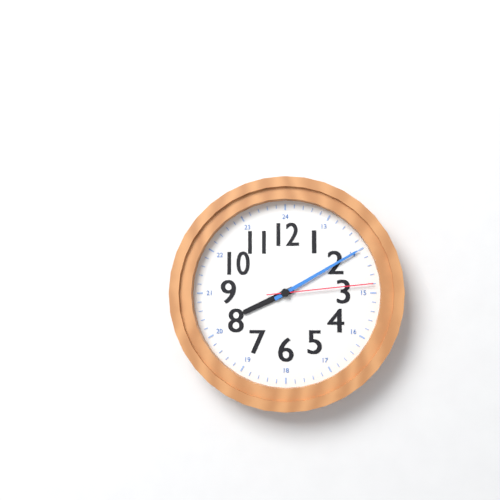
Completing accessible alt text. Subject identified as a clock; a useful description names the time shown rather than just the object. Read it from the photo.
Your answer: 8:10:14
